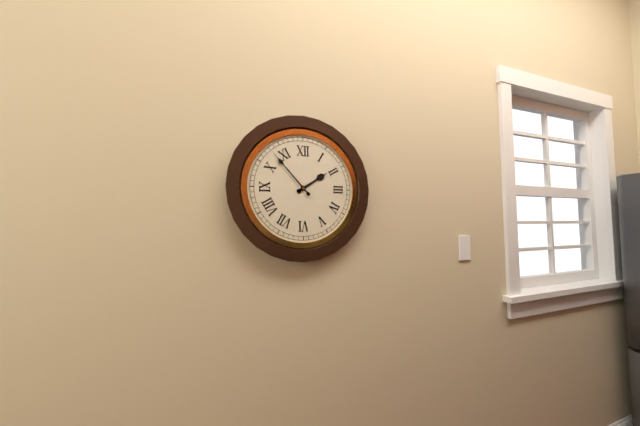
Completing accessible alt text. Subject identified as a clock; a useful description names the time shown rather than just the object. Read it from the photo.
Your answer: 1:53
